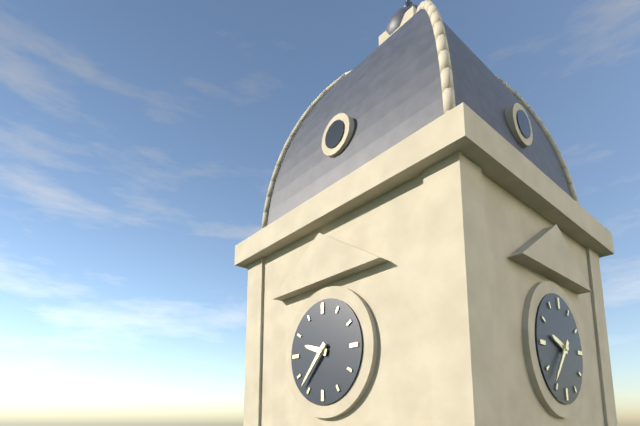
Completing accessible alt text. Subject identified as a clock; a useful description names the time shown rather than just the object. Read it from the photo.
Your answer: 9:37
